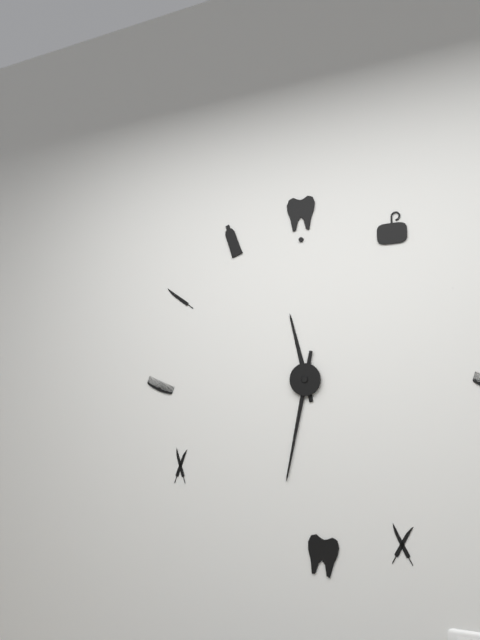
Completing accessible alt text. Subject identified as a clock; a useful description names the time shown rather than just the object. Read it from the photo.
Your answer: 11:32
